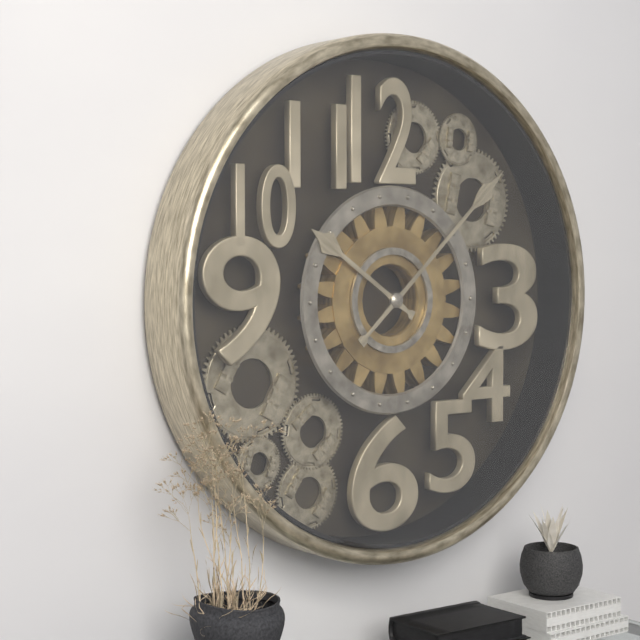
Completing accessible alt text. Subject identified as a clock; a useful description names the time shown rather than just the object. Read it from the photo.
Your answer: 10:08
